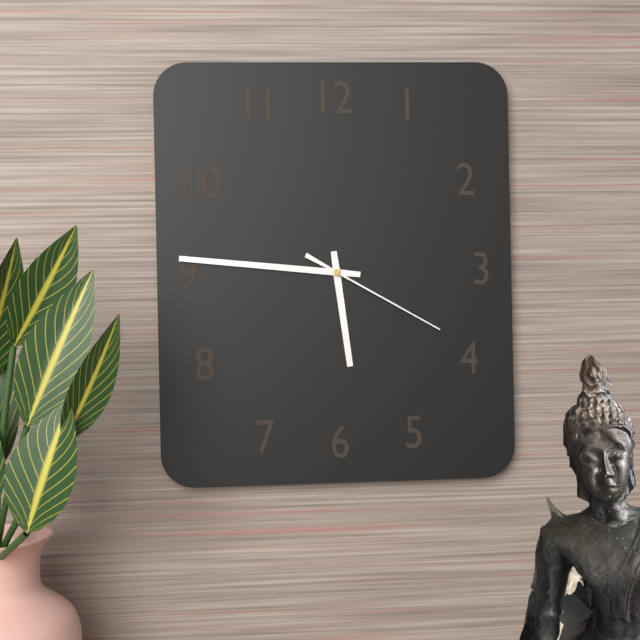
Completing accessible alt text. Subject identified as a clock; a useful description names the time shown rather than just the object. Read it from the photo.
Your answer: 5:46:20
